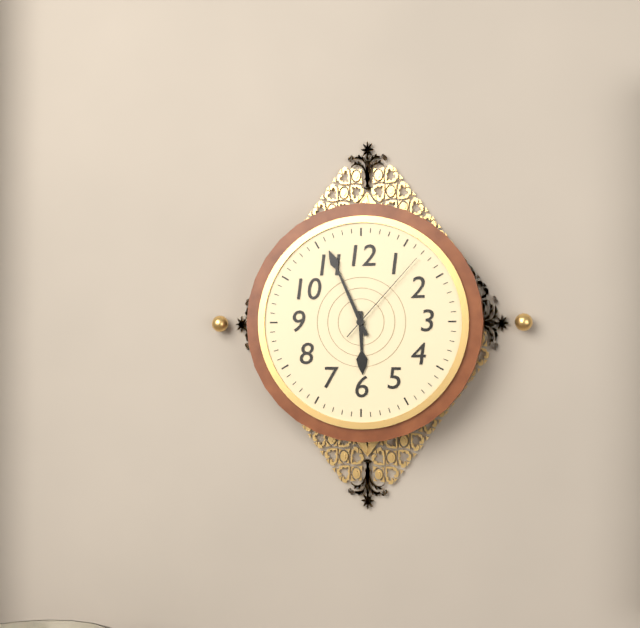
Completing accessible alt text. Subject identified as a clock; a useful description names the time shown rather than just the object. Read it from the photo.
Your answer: 5:56:07
